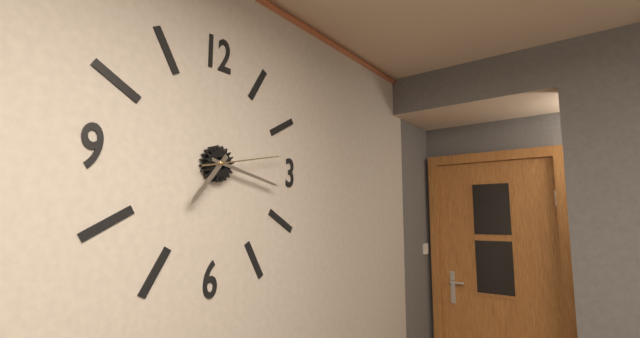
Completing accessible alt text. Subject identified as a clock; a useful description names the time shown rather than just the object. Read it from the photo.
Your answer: 7:17:13
